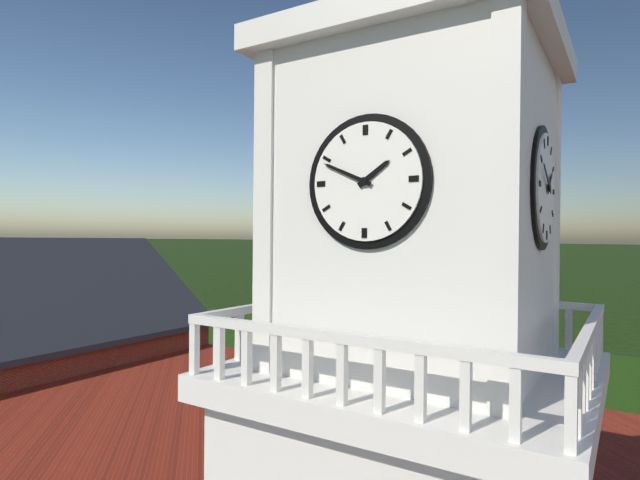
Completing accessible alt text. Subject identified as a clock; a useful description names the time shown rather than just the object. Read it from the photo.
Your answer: 1:49
